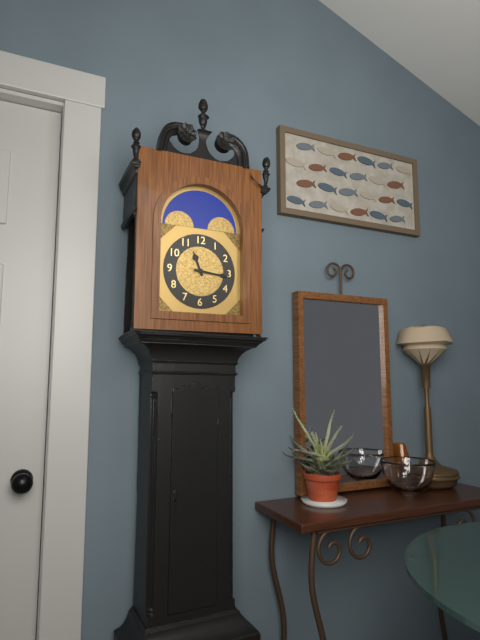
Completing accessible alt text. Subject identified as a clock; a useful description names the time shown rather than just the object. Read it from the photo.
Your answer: 11:16
